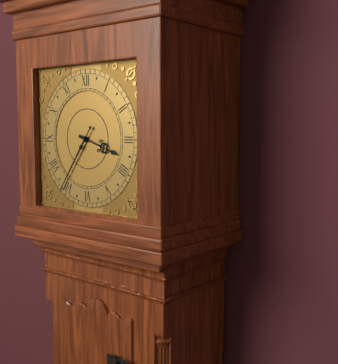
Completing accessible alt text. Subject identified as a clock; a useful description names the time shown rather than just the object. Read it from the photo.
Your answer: 3:36
